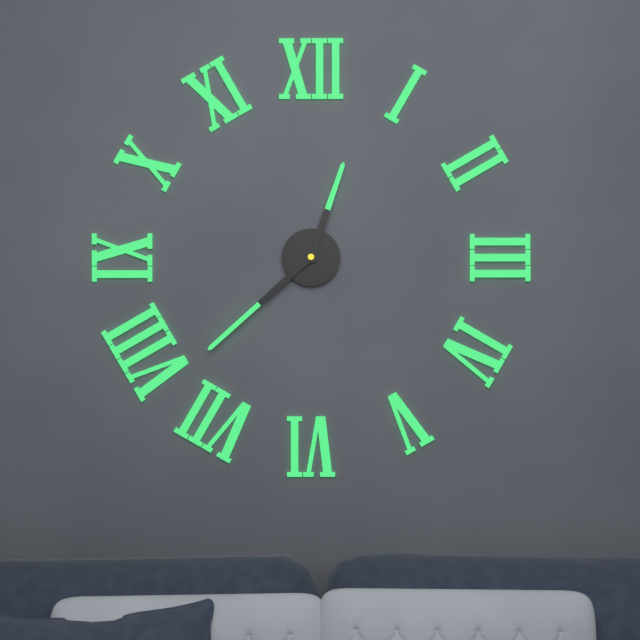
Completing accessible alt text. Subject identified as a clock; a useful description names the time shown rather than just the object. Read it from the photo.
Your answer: 12:38
